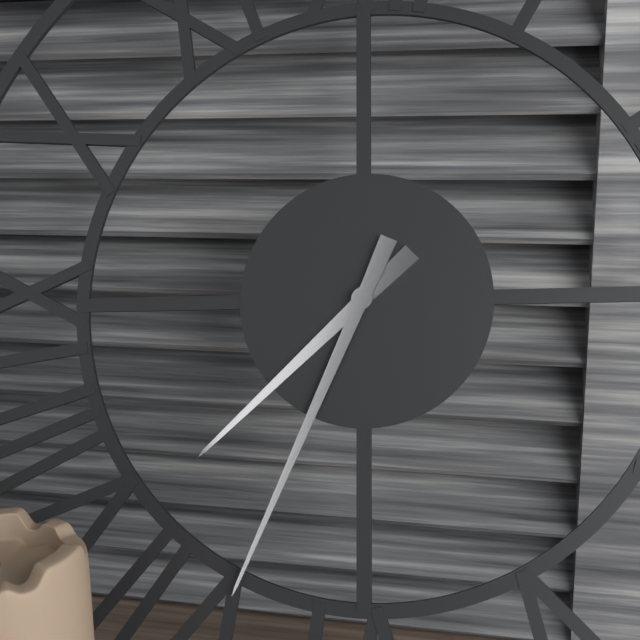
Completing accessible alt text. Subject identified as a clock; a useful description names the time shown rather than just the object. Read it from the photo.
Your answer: 7:34
